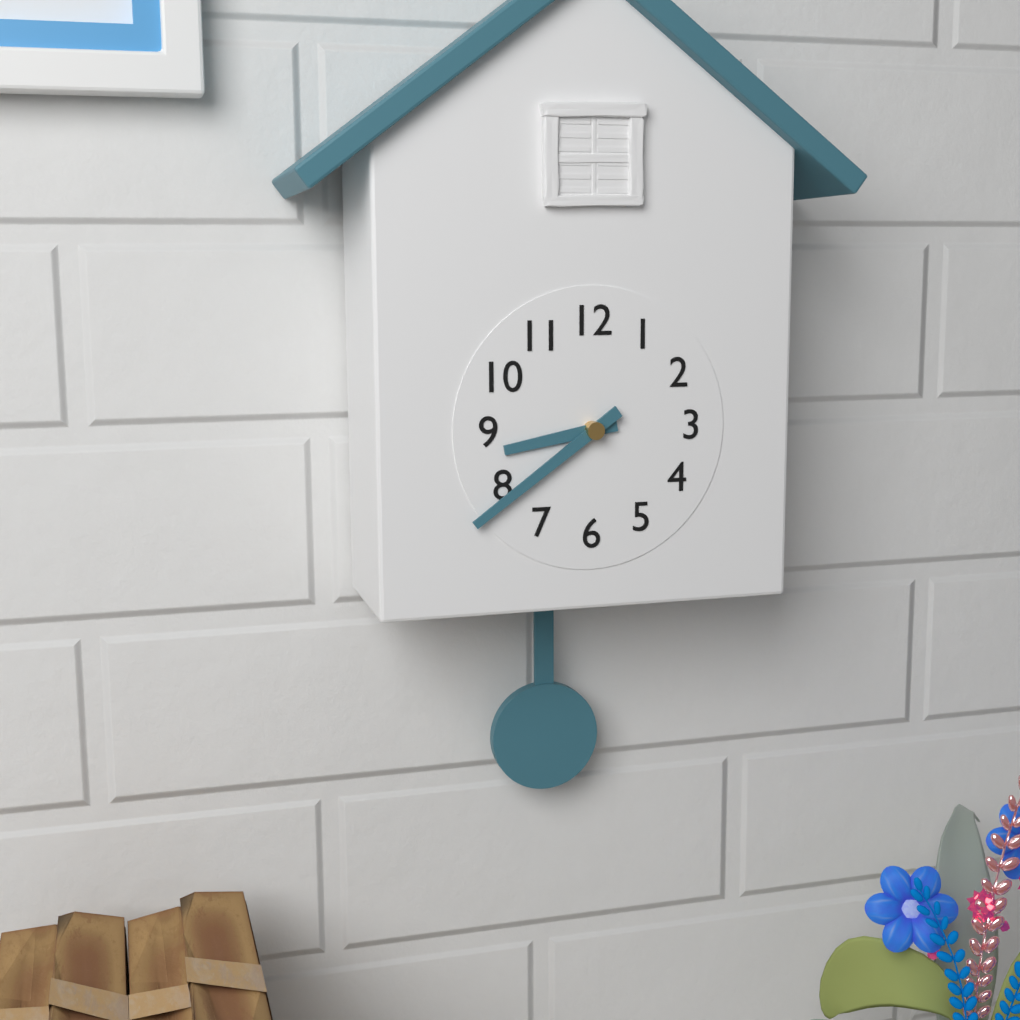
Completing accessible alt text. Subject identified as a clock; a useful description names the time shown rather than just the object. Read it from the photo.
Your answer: 8:39
